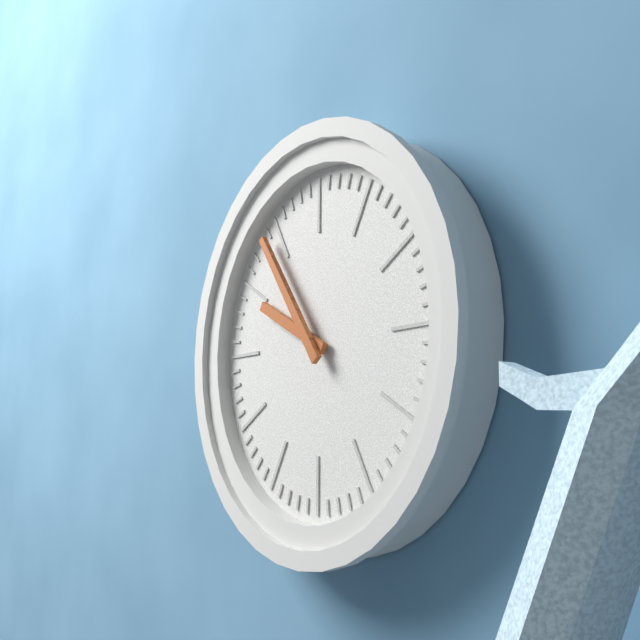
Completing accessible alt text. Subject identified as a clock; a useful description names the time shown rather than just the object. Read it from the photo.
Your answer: 9:54
